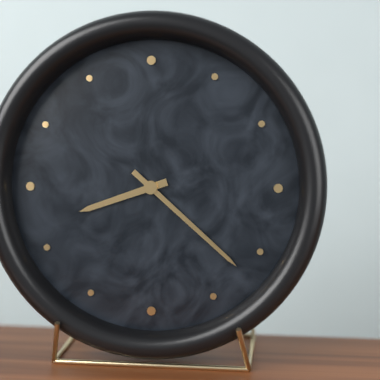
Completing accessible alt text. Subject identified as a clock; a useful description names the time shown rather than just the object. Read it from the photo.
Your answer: 8:22
